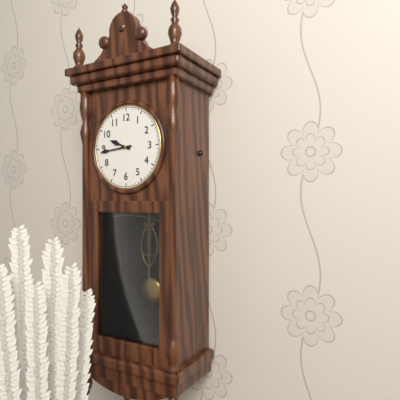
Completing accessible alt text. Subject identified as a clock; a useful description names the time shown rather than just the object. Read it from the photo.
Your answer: 9:44
